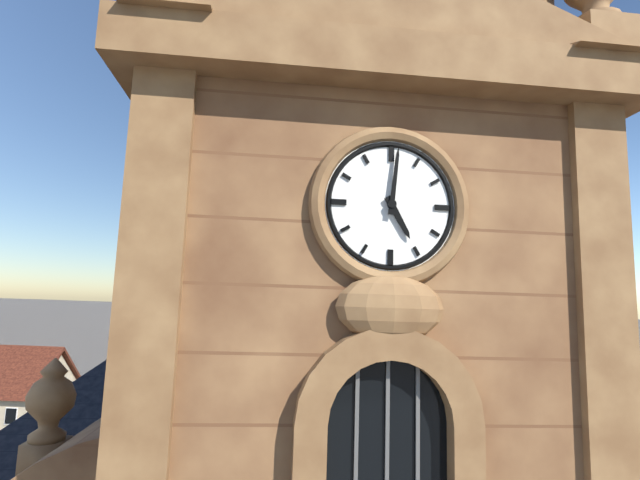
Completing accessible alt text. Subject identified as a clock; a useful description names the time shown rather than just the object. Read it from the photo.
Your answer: 5:01
